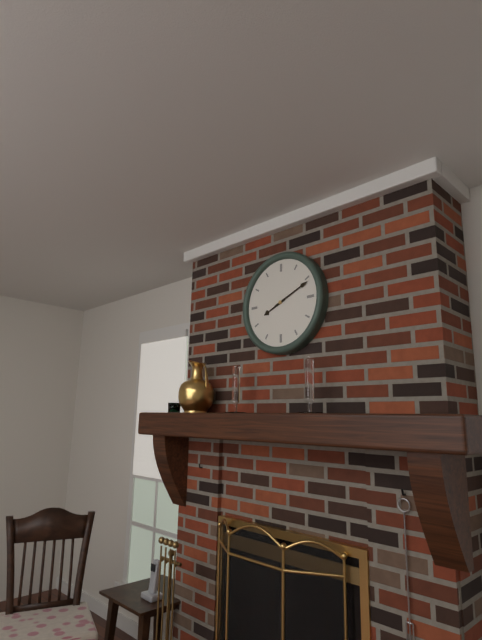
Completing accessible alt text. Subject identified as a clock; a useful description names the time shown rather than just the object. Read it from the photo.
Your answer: 8:11
